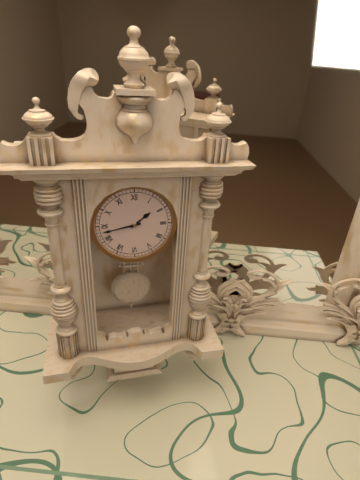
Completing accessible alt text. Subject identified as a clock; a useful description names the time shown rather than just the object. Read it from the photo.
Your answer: 1:43
